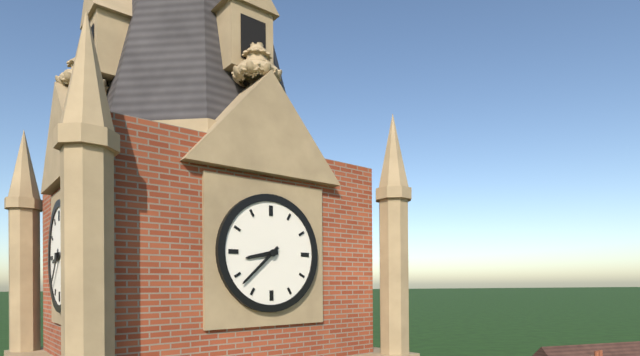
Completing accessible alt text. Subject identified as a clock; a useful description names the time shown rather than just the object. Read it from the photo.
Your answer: 8:38
